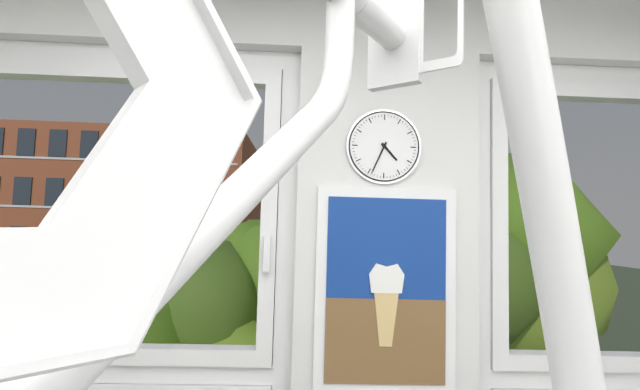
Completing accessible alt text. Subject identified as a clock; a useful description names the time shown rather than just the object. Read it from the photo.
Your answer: 4:34
